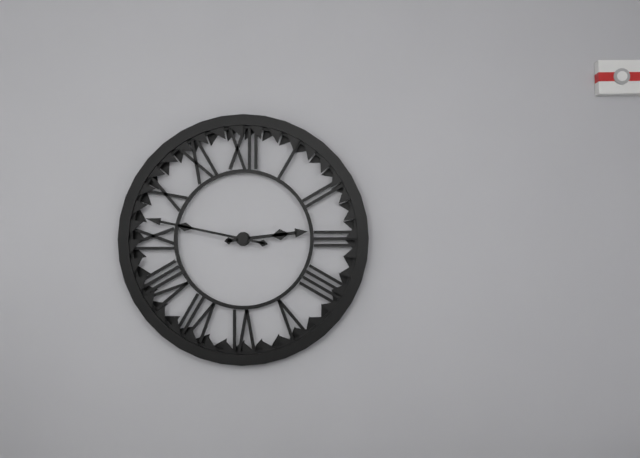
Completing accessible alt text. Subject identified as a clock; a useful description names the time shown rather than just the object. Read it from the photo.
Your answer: 2:47
